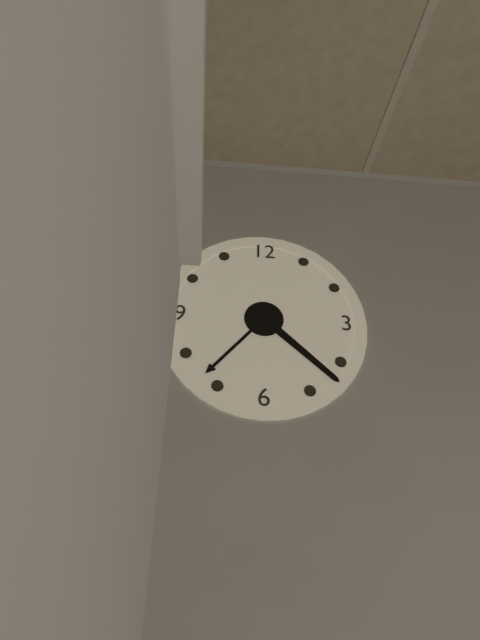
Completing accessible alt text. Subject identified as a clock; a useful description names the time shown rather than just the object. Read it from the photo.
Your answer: 7:22
